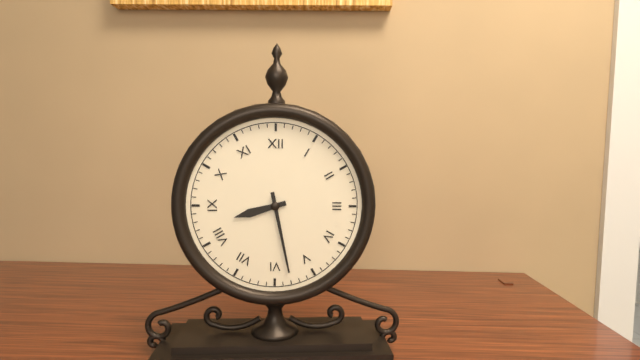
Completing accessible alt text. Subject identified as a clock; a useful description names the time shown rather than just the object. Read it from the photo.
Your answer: 8:28
